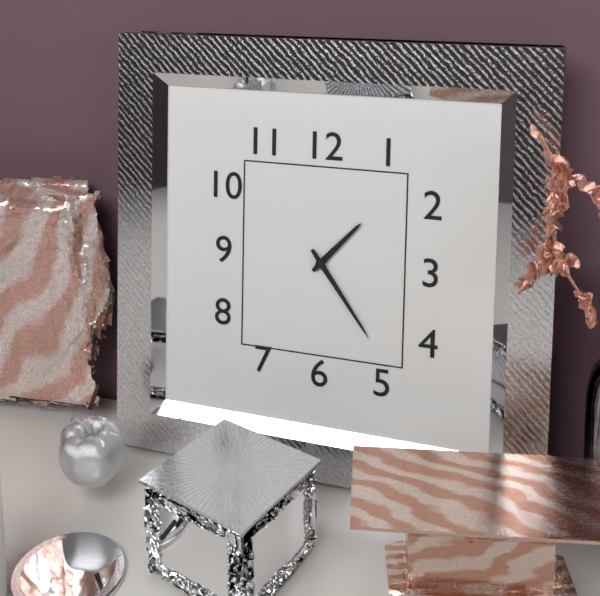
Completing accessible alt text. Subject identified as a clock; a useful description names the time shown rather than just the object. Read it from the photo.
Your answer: 1:24
